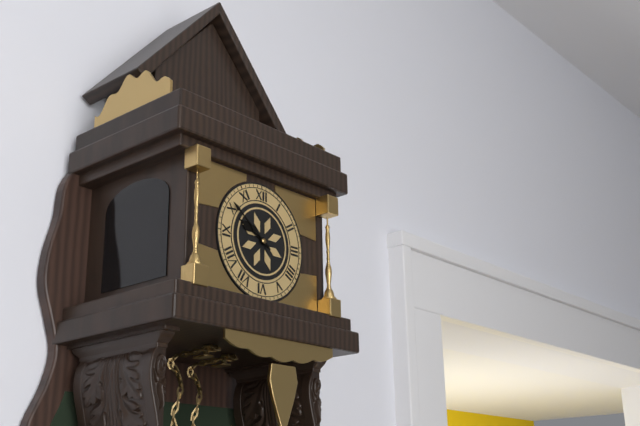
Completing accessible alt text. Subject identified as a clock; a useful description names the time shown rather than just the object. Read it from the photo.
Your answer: 9:51
